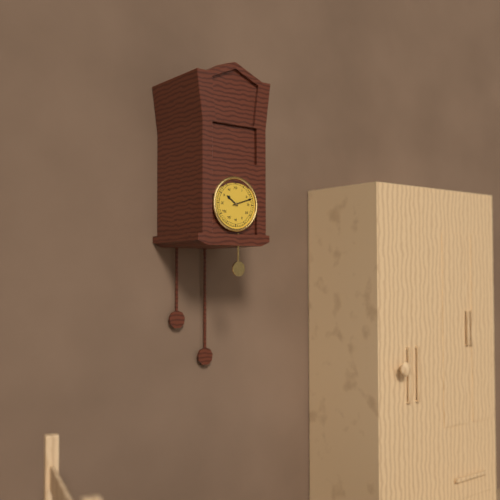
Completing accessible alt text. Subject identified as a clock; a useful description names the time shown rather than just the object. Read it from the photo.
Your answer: 10:12
